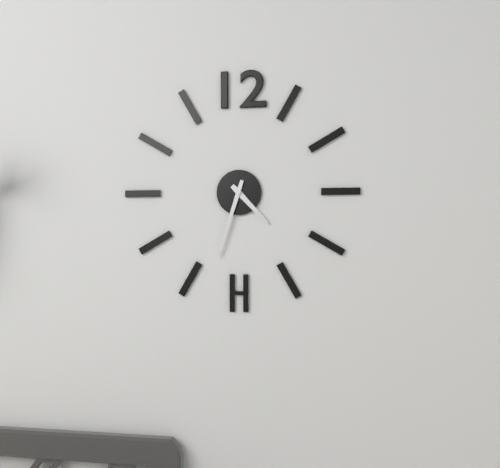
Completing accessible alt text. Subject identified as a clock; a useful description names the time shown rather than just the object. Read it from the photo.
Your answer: 4:33
